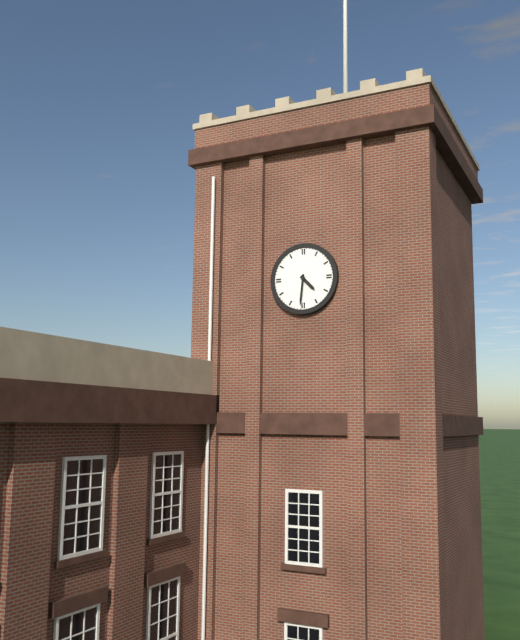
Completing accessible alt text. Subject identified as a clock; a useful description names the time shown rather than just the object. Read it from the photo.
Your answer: 4:31
